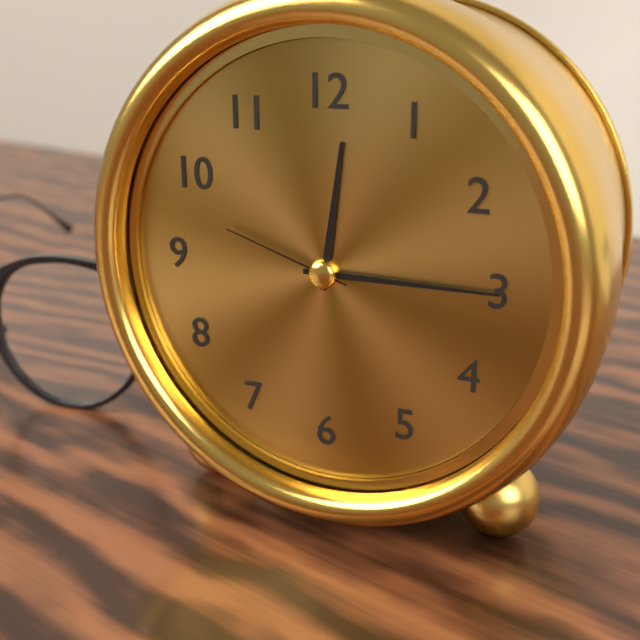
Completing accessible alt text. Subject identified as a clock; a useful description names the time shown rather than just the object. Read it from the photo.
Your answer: 12:15:48
